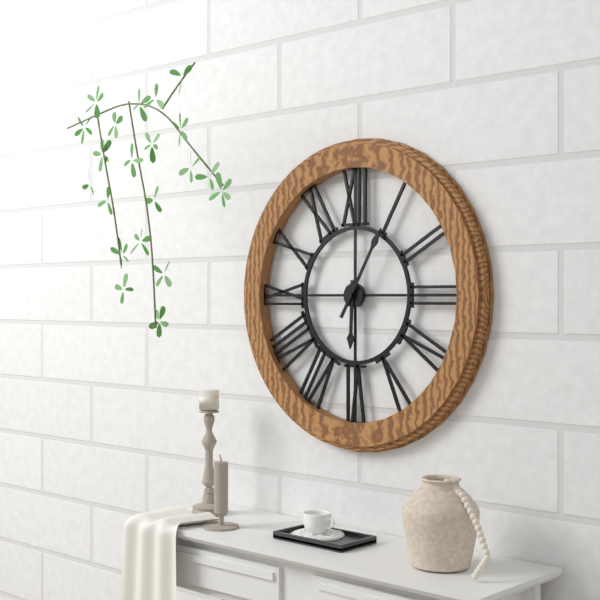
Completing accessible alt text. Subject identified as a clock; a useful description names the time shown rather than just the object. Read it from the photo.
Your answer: 6:05
